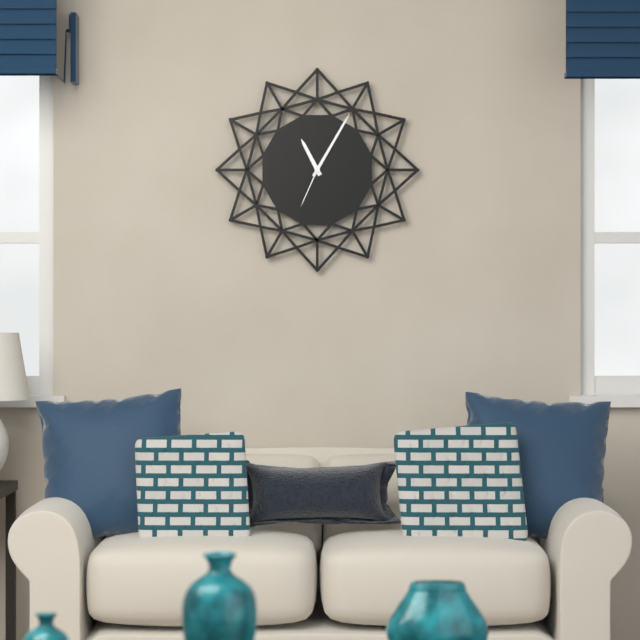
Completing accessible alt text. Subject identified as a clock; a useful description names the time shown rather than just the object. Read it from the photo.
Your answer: 11:05:34
